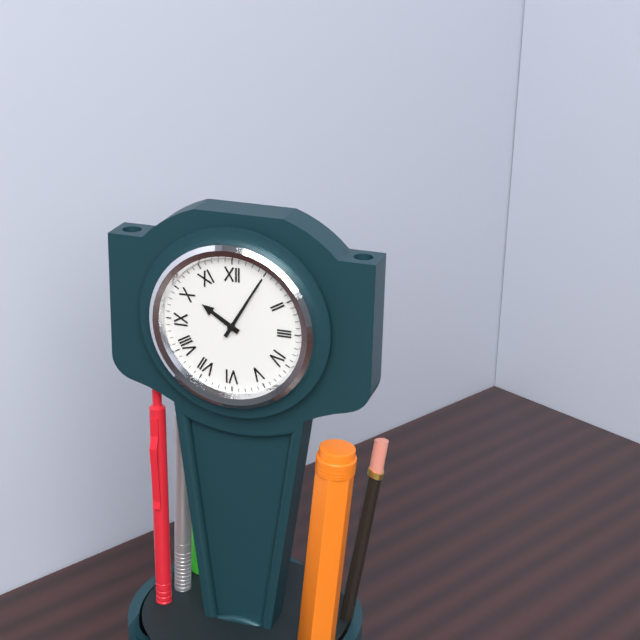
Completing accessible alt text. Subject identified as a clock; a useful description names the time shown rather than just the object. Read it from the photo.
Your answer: 10:05
